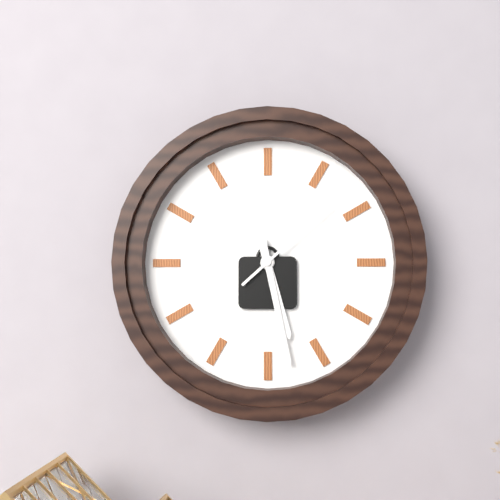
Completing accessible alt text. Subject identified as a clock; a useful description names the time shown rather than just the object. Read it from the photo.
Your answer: 5:28:08
